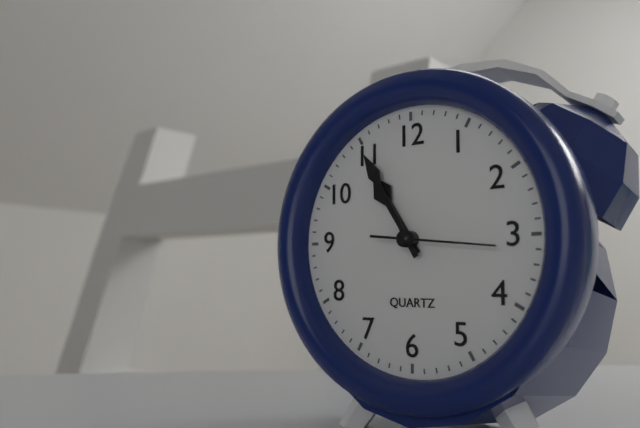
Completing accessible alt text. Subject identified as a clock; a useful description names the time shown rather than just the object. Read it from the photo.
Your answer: 10:55:16
